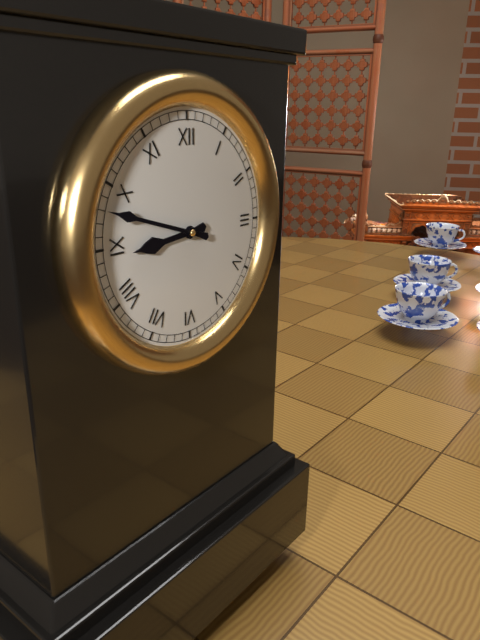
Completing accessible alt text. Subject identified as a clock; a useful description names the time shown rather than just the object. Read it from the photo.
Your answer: 8:48
